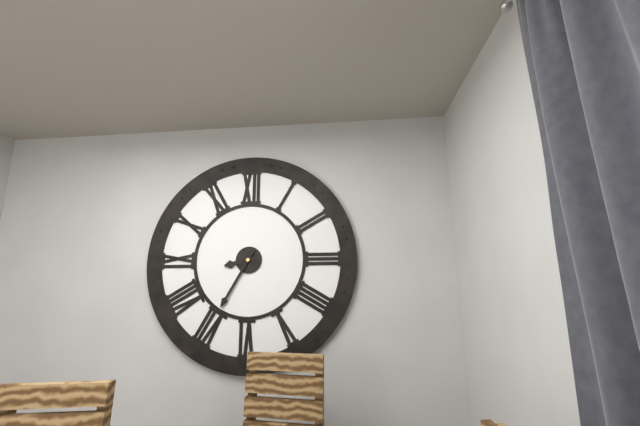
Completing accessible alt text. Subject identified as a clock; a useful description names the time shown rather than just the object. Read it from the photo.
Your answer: 8:35
